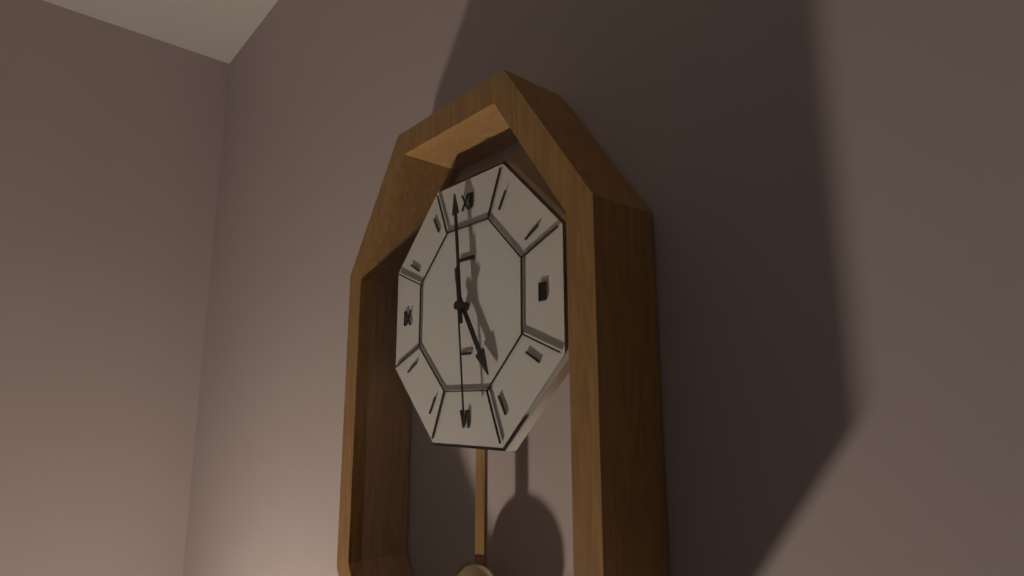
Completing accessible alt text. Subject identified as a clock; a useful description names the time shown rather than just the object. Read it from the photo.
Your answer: 4:59:29
